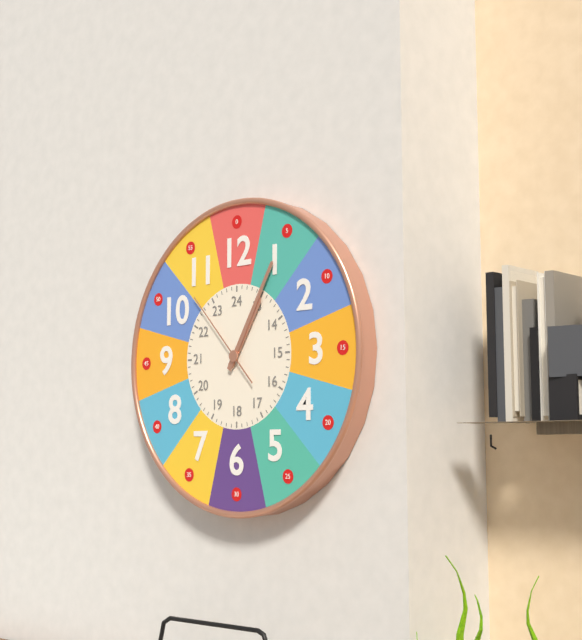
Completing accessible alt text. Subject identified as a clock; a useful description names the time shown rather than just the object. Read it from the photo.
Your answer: 1:05:53
